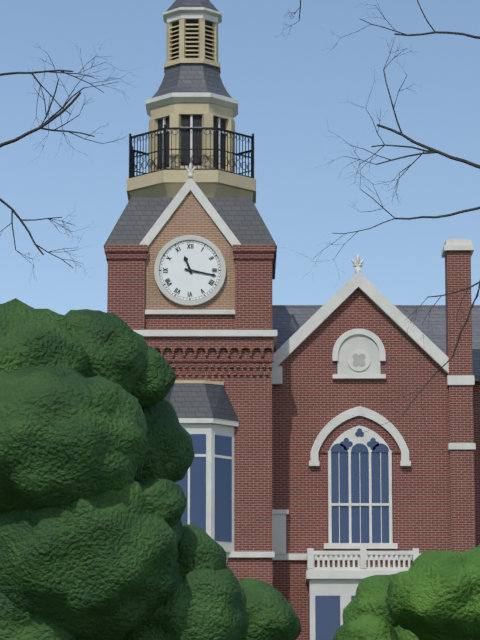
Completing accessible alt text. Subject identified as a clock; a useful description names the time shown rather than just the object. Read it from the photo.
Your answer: 11:17
